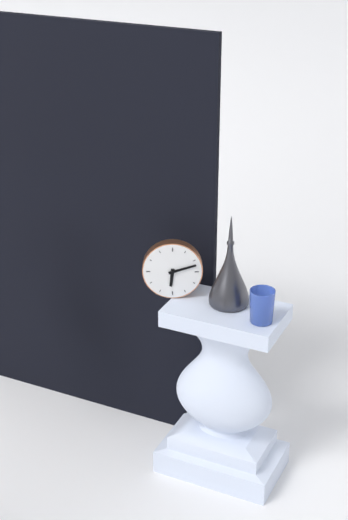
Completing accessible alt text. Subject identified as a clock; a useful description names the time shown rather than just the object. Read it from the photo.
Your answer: 6:12
